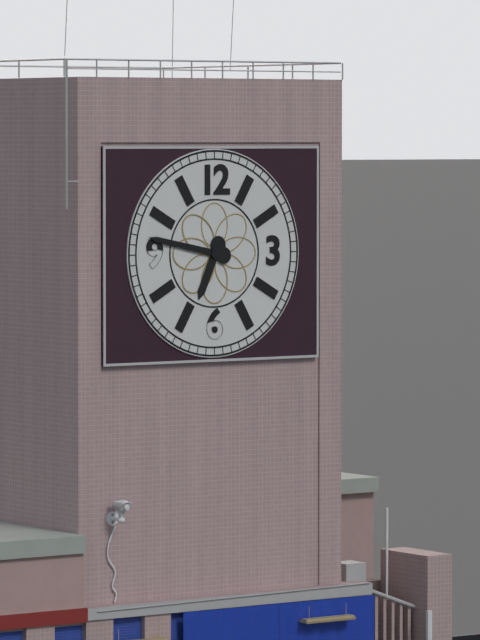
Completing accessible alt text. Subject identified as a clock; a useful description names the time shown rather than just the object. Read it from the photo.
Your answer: 6:47
